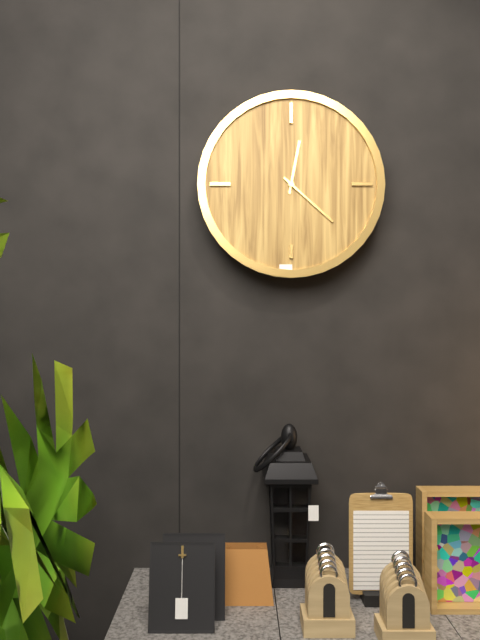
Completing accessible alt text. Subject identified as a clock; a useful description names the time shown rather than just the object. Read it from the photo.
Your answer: 12:22
